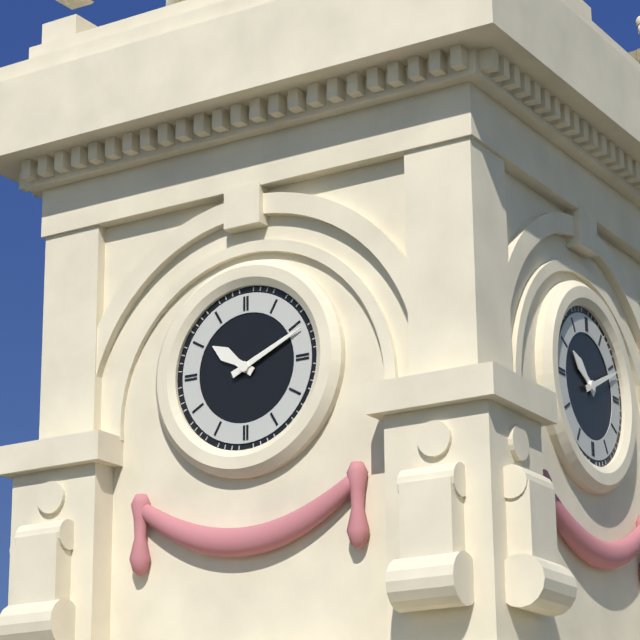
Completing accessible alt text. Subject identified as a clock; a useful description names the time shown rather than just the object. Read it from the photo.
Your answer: 10:11
